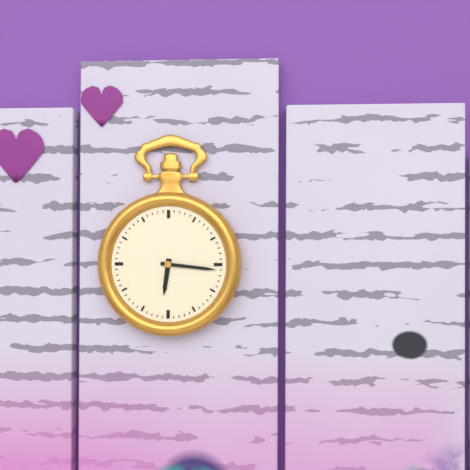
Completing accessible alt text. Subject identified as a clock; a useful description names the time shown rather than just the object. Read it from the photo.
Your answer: 6:16
